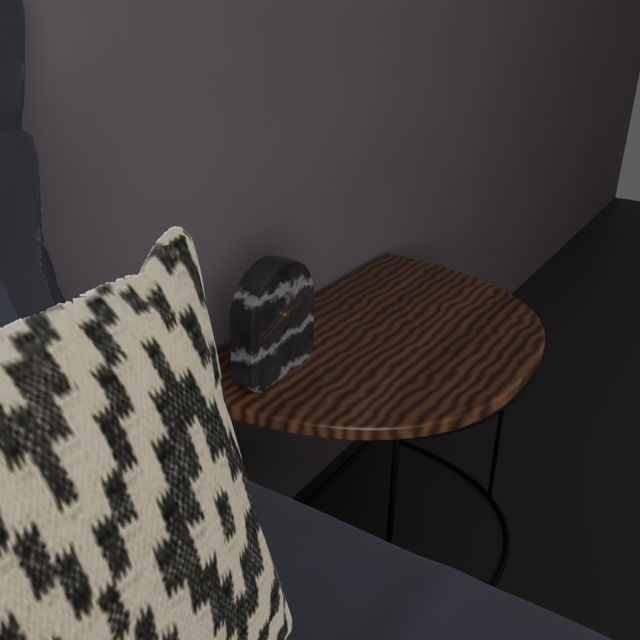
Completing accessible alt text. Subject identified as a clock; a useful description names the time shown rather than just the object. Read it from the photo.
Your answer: 2:42
